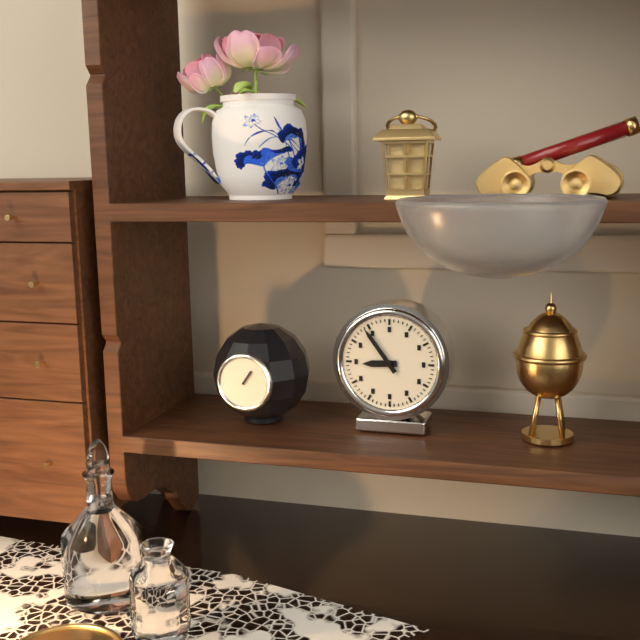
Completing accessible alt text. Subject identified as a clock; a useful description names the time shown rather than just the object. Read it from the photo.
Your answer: 8:54
